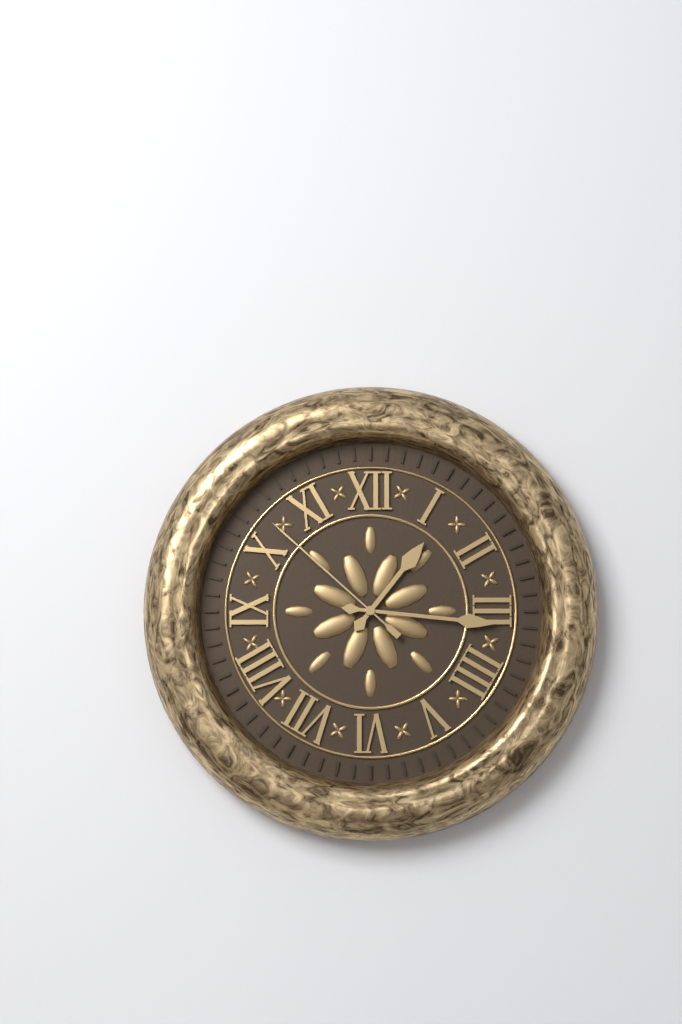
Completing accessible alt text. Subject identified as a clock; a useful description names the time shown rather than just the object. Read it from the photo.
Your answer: 1:16:52
